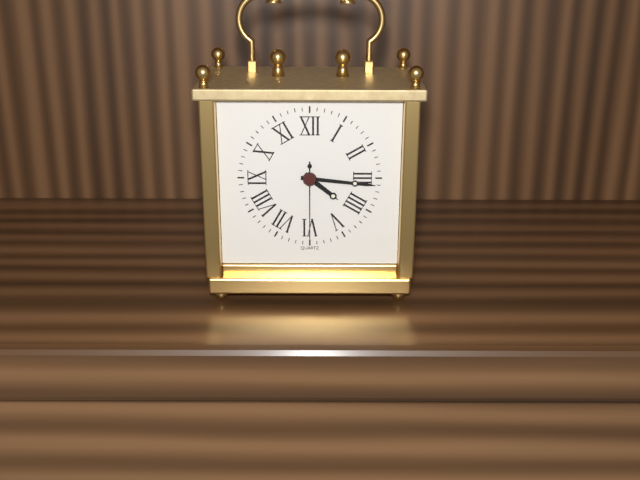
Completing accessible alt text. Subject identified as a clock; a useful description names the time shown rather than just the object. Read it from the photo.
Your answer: 4:16:30
